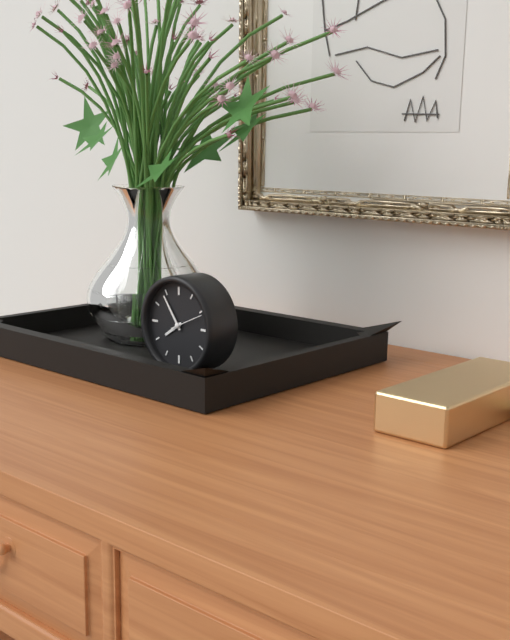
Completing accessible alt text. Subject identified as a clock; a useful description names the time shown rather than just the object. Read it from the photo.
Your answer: 7:54
